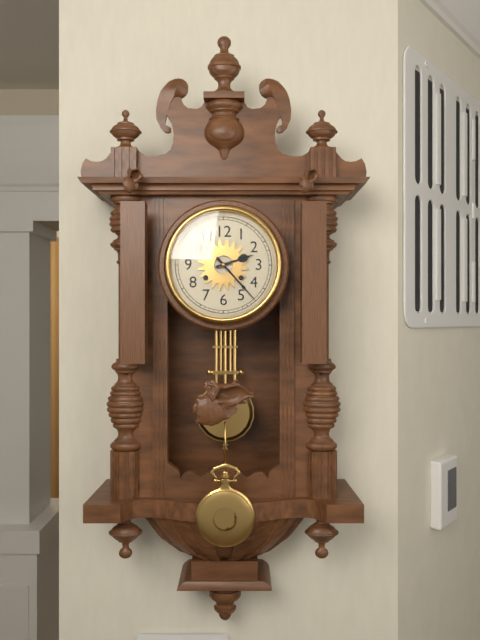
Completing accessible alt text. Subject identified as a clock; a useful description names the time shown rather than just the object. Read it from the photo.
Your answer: 2:23
